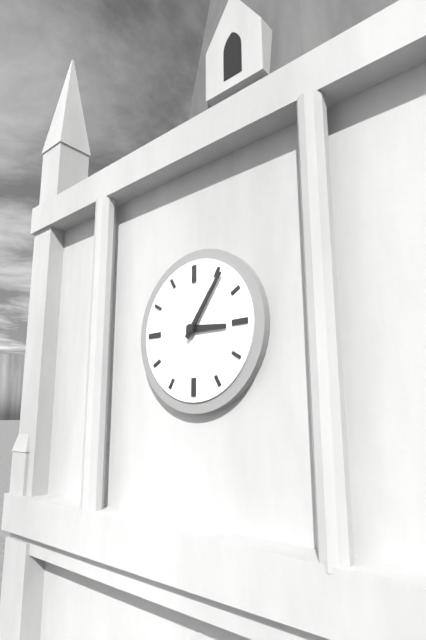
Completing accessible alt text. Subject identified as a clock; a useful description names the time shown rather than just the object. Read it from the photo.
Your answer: 3:06
